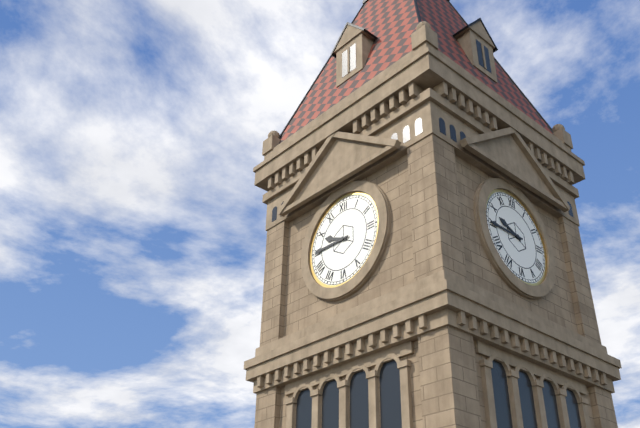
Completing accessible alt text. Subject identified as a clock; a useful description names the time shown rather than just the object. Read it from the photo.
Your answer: 9:45
